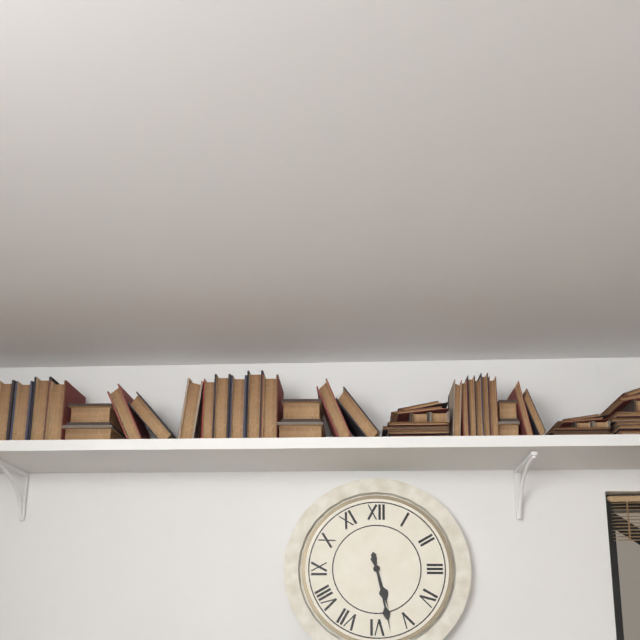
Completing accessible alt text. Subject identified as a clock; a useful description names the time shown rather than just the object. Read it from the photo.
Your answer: 5:28
